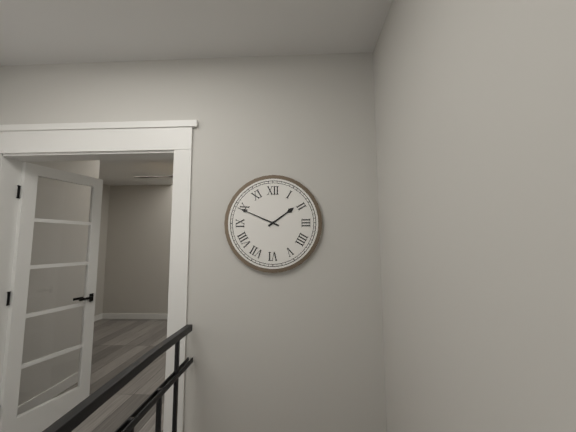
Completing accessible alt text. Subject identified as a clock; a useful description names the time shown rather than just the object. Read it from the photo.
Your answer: 1:49
